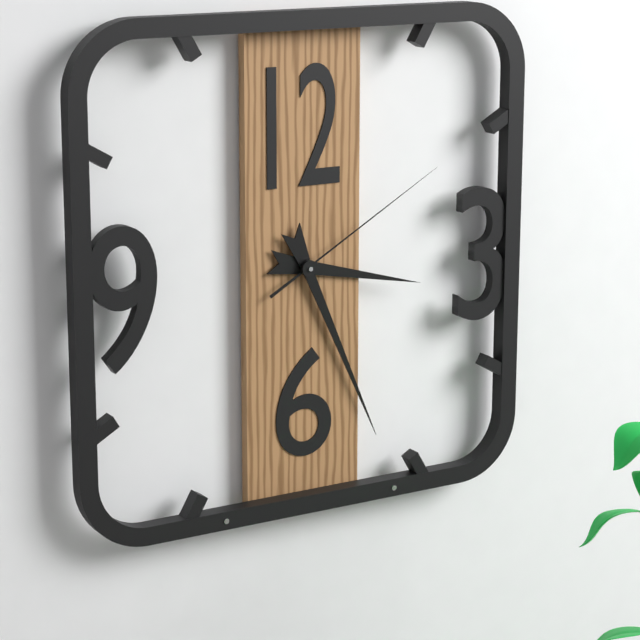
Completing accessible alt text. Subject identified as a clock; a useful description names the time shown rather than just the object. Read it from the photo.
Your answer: 3:26:10
